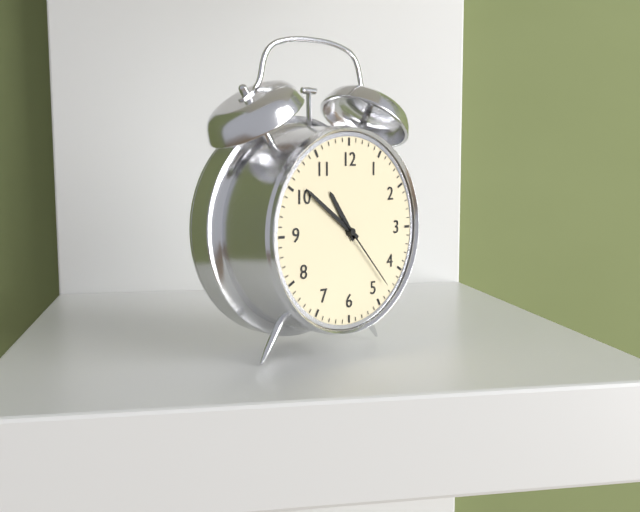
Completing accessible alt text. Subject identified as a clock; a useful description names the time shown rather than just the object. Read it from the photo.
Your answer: 10:51:23
